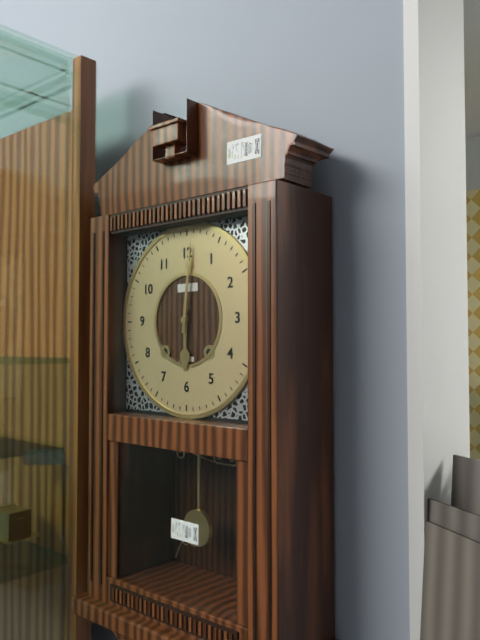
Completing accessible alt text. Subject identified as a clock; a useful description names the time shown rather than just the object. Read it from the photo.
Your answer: 6:01
